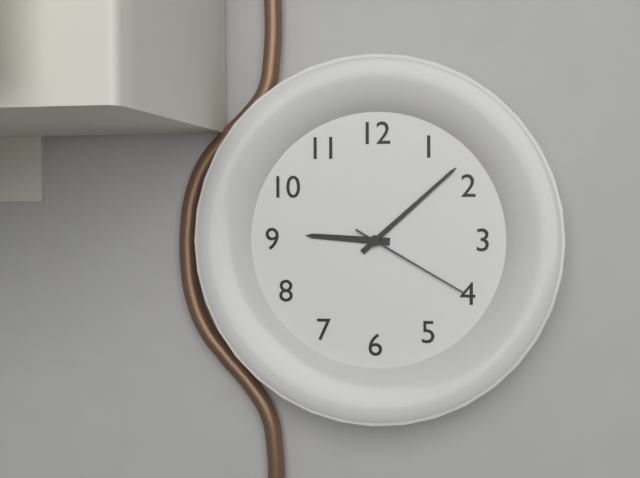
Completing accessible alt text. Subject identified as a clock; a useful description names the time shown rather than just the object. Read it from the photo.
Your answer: 9:08:20
